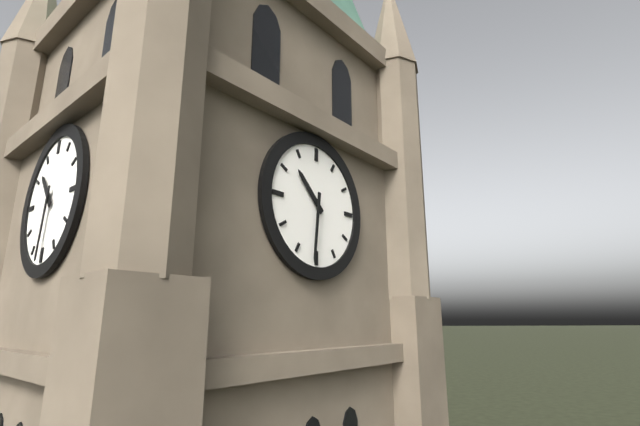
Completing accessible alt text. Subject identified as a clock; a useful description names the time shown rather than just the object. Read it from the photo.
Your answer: 10:31
